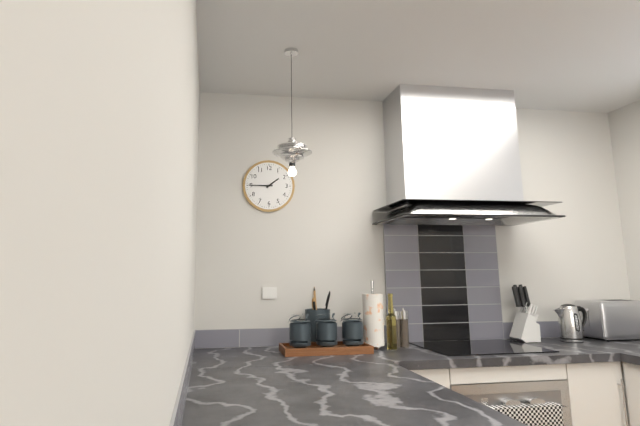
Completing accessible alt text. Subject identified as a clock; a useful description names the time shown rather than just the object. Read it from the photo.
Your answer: 1:45
